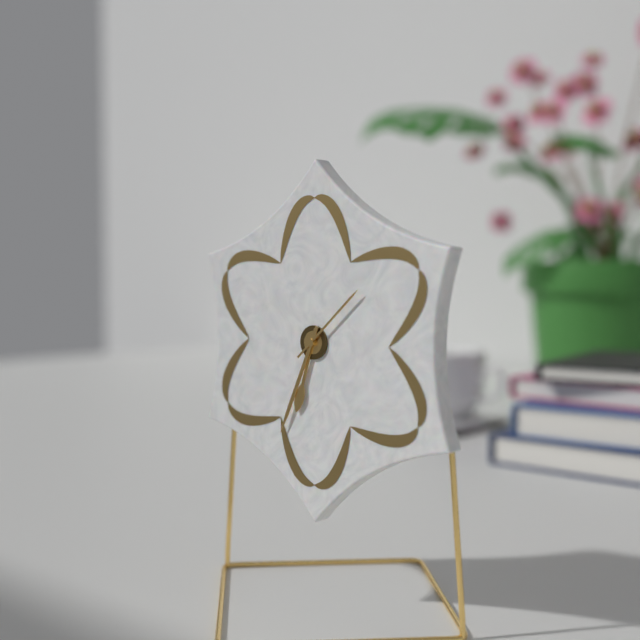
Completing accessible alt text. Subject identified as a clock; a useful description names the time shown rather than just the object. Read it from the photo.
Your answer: 6:34:08
